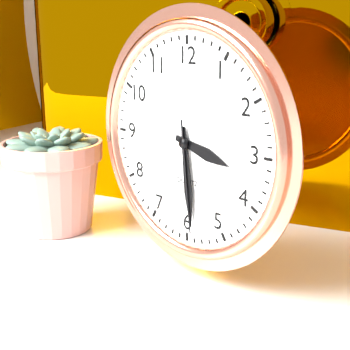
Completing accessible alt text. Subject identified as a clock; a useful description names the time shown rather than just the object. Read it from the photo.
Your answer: 3:29:29
